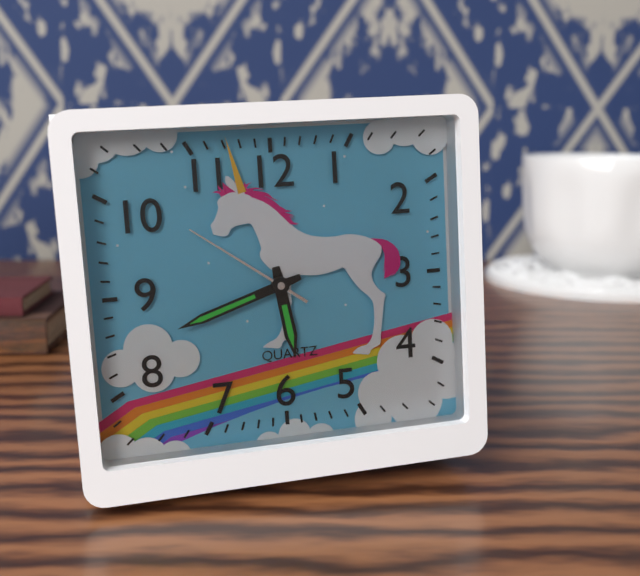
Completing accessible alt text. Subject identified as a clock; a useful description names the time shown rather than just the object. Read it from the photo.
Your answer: 5:42:51
